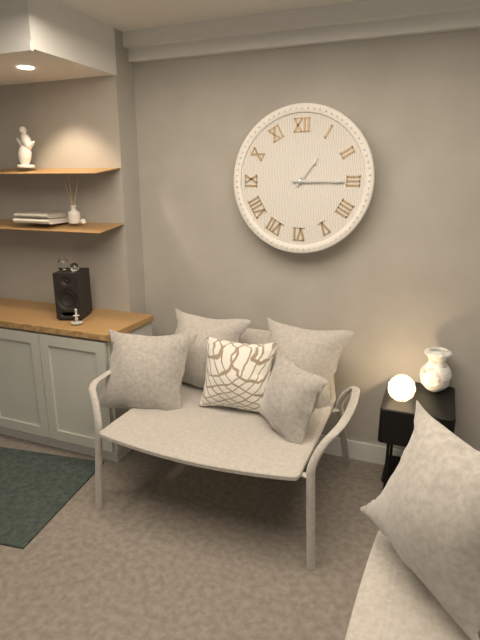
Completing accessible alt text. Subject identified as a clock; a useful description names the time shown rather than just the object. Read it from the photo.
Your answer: 1:15
